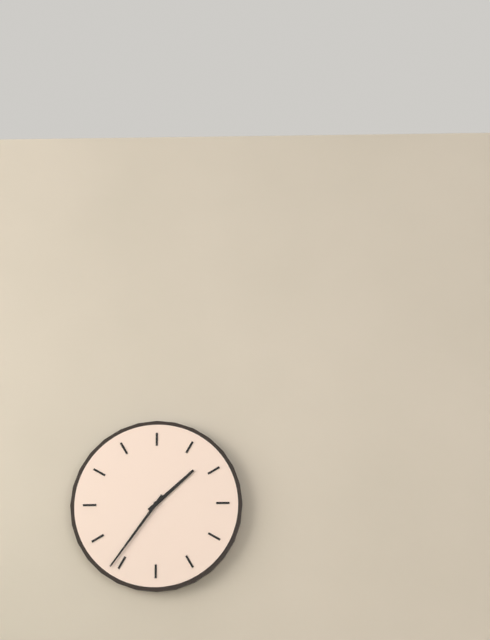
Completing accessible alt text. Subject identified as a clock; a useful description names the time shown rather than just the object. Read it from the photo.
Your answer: 1:36
